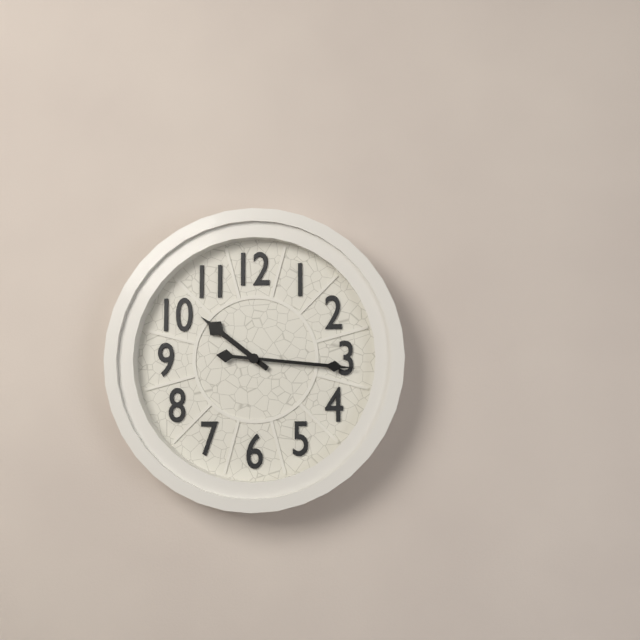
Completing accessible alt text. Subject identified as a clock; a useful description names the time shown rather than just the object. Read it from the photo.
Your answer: 10:16
